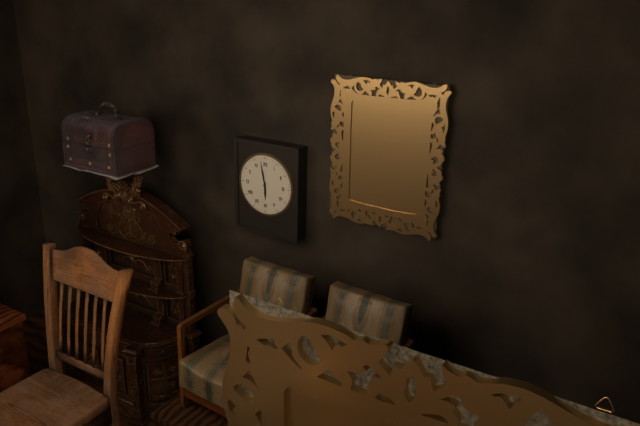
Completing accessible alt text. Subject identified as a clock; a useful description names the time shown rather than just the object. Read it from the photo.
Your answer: 5:58
